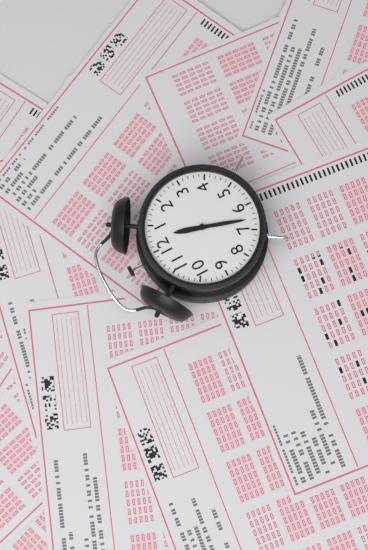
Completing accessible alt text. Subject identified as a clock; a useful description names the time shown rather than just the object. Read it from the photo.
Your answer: 12:33
